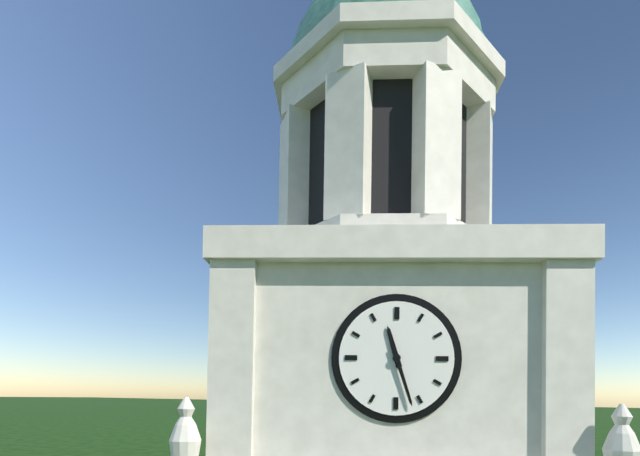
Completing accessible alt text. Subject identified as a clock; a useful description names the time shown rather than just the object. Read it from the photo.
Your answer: 11:27
